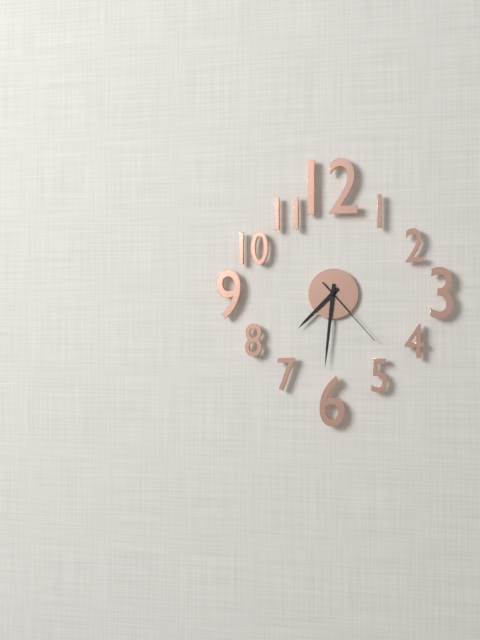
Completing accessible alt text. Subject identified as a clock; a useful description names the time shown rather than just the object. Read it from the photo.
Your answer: 7:31:23
